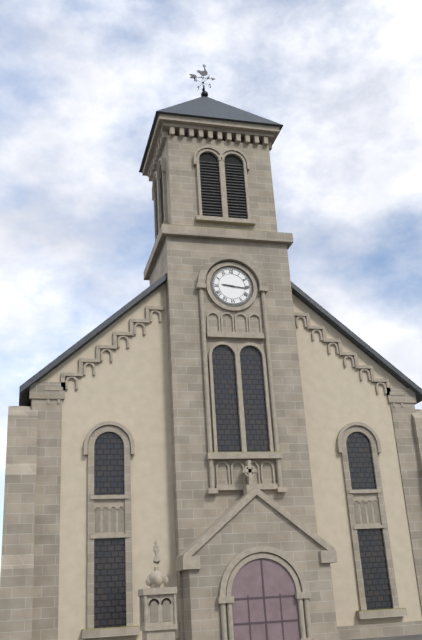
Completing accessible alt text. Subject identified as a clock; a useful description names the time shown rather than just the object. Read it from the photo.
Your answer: 9:16
